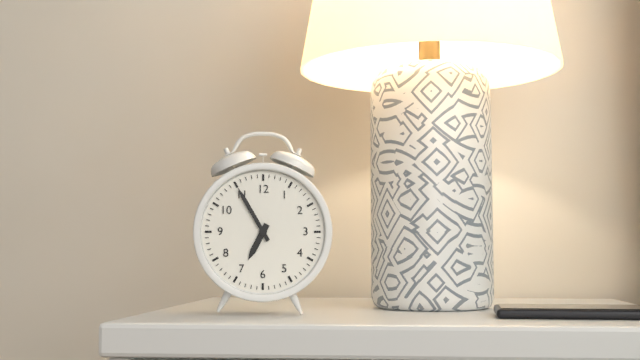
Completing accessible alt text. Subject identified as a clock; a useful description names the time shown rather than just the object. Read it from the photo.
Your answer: 6:55
